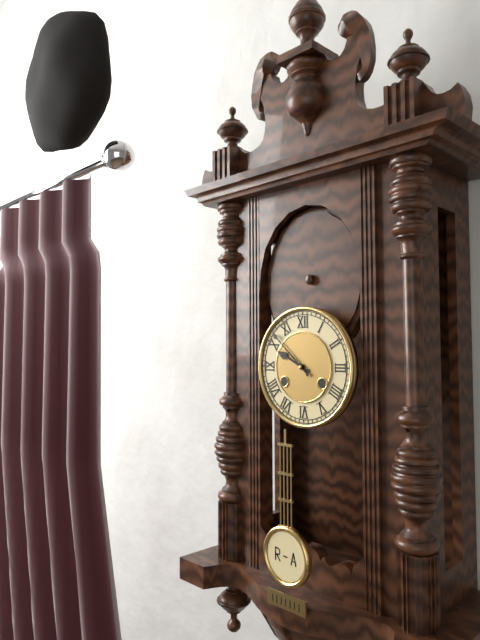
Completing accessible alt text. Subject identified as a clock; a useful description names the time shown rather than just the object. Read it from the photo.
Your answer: 9:52
